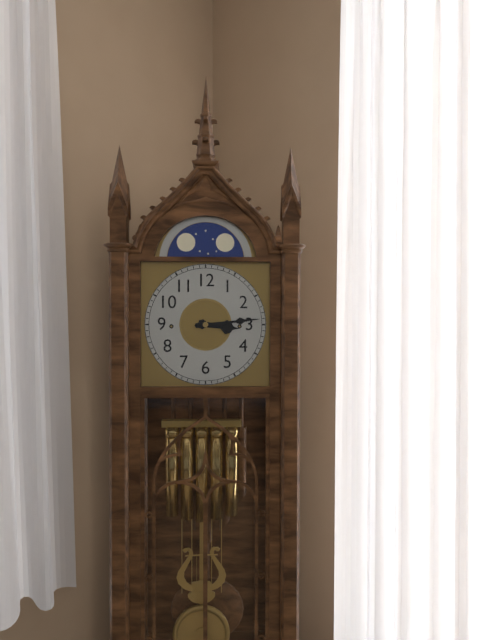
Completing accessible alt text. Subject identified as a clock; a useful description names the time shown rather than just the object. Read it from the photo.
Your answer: 3:14
